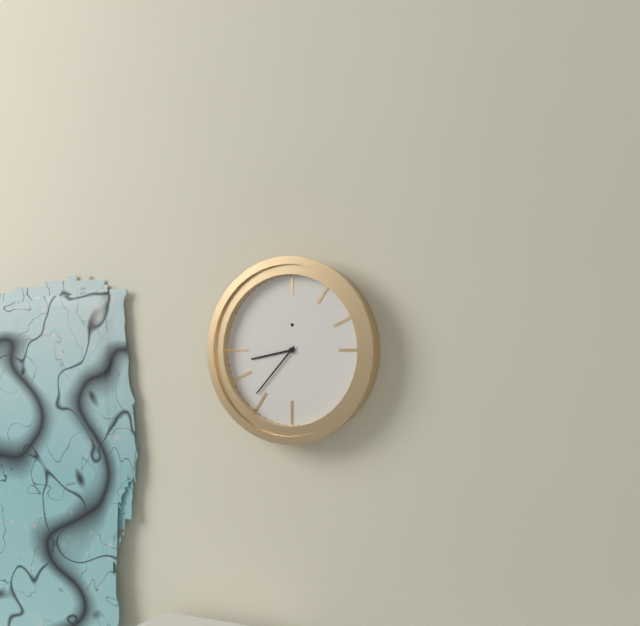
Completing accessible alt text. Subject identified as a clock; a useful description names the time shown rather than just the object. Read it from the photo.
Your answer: 8:37
